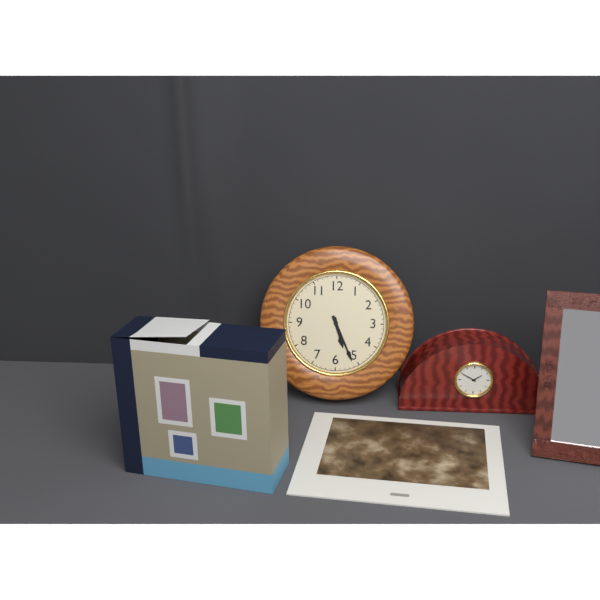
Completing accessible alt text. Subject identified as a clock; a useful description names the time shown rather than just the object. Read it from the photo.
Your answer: 5:26
